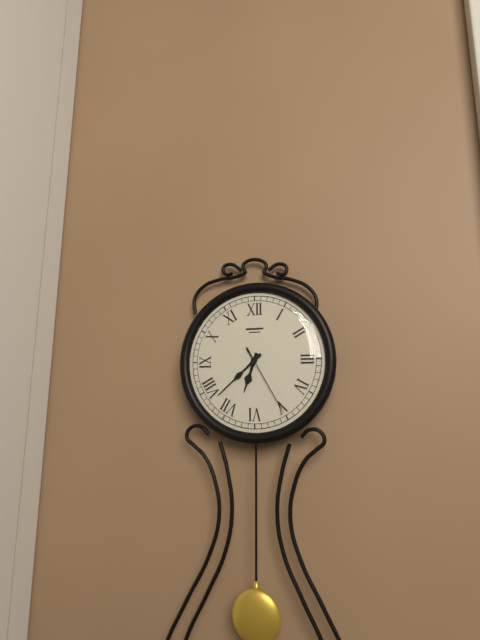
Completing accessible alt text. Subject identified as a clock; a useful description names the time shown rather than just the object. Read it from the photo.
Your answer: 6:38:25
